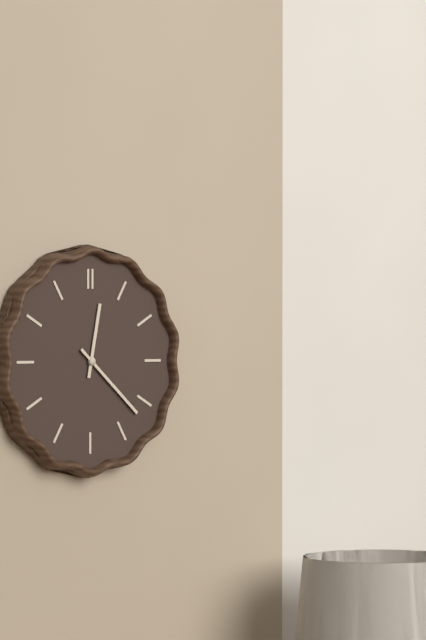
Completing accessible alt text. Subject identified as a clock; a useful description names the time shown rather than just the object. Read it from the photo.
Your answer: 12:22
